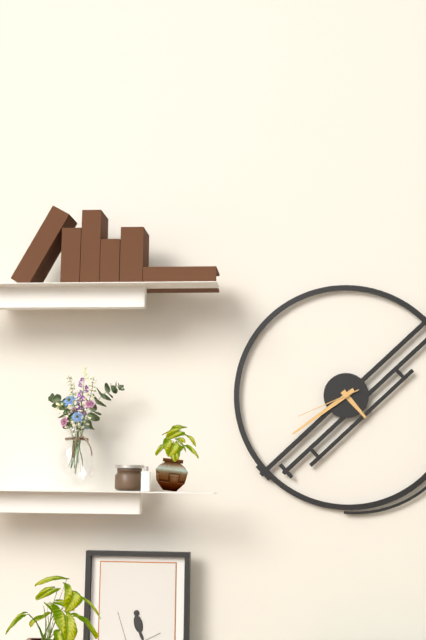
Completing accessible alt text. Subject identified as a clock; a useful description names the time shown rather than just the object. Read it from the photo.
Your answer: 4:39:41
